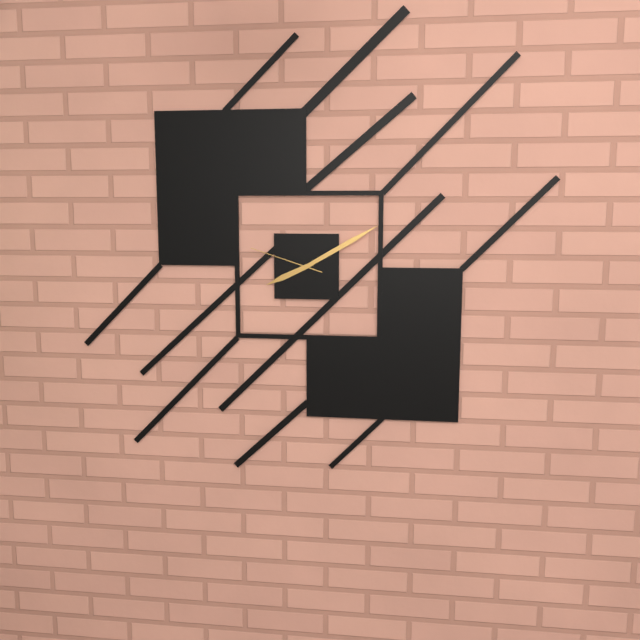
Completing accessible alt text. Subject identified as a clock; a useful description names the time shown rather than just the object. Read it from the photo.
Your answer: 8:10:48
